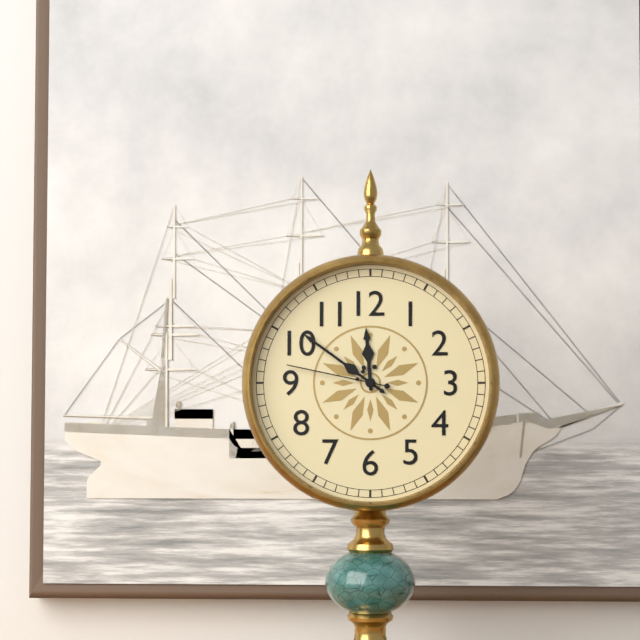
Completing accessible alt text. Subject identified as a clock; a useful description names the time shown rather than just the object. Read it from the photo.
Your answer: 11:51:47
